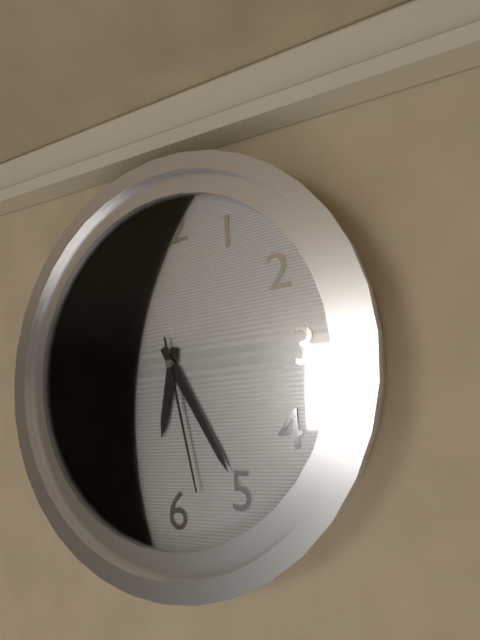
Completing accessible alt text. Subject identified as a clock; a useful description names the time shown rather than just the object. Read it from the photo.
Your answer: 6:25:28
